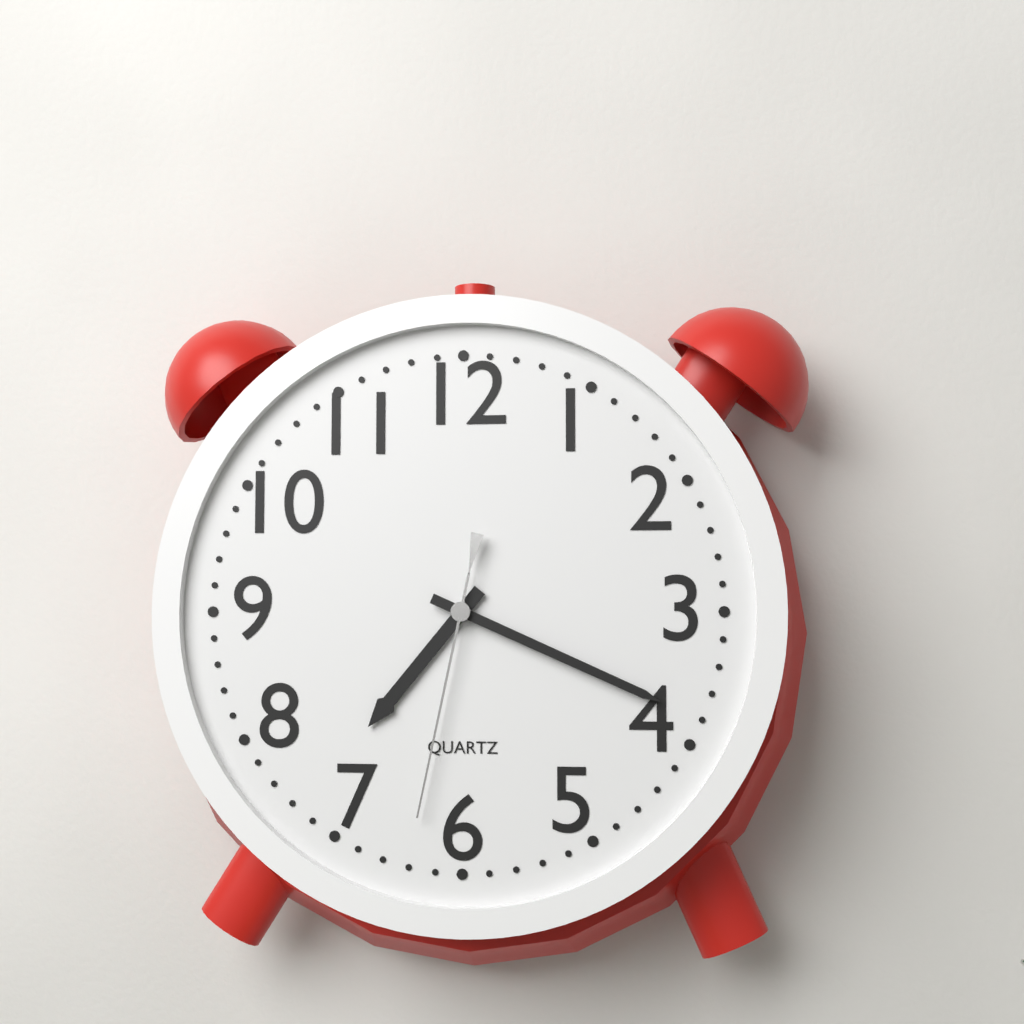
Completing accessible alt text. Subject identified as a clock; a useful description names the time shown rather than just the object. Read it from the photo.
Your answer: 7:19:32
